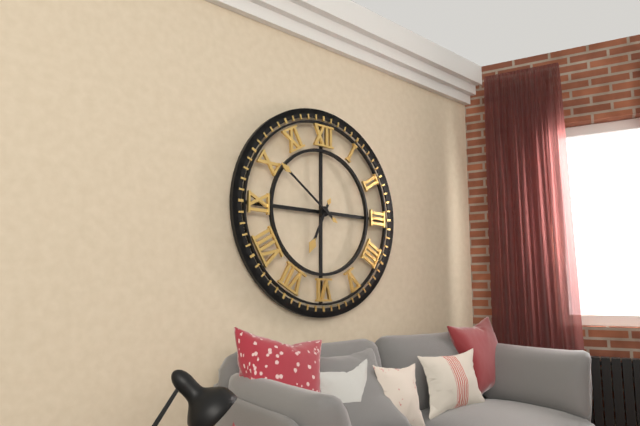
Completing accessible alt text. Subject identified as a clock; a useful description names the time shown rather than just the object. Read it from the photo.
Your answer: 6:51
